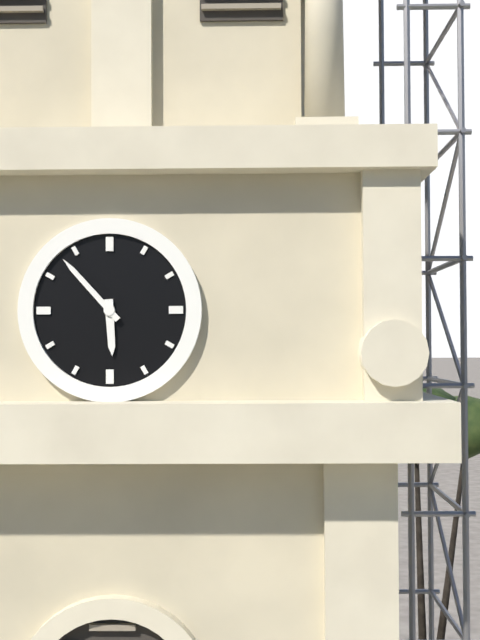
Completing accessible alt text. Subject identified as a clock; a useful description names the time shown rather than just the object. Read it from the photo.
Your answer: 5:53
